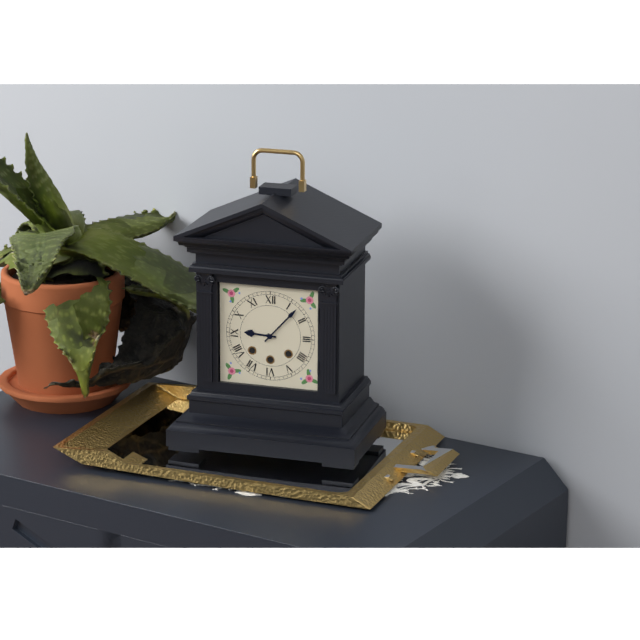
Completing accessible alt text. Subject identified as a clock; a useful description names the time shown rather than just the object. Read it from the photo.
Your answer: 9:07
